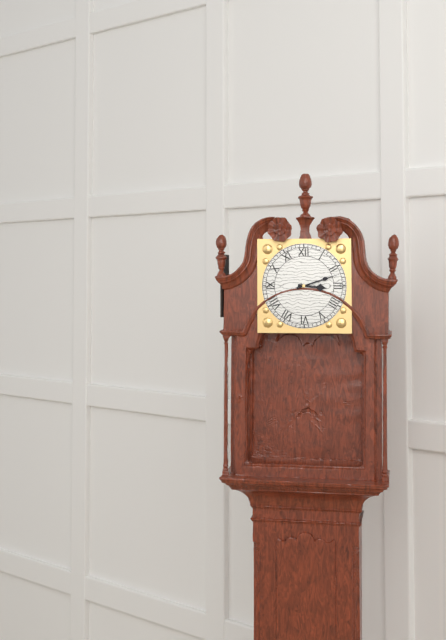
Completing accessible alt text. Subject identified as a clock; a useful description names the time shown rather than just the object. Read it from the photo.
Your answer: 3:12
